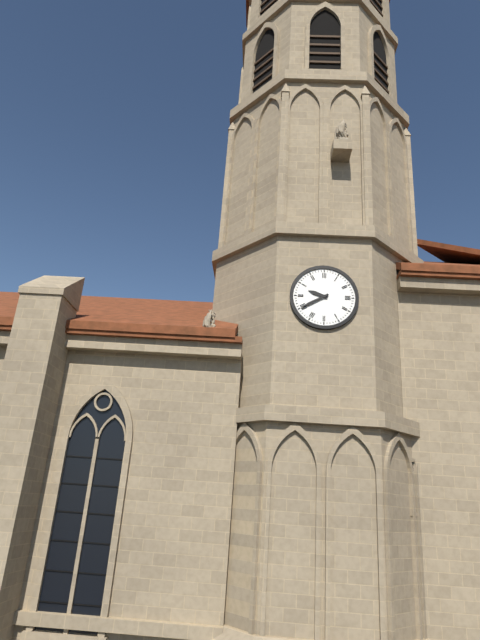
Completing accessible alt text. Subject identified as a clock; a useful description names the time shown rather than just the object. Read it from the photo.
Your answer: 9:40
